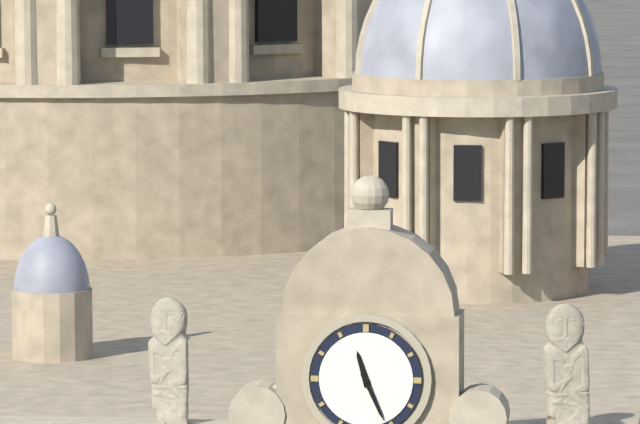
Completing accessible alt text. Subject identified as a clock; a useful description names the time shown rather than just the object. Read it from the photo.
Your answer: 11:26
